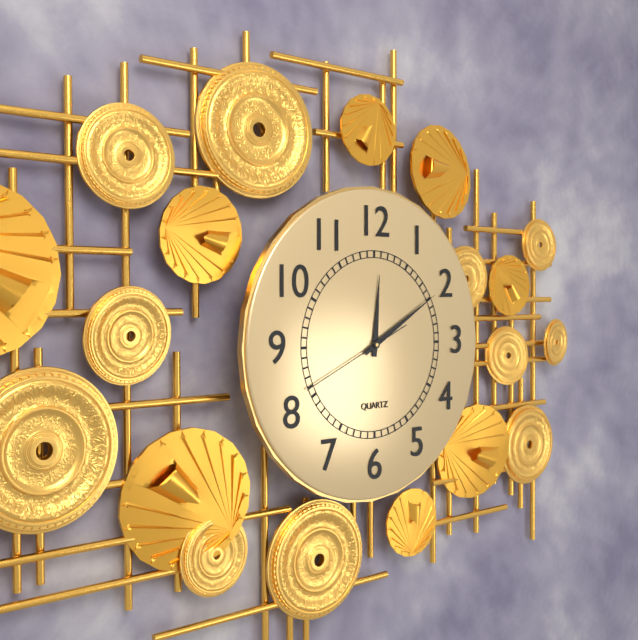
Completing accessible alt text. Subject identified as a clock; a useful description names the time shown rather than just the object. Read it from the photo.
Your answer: 12:10:41
